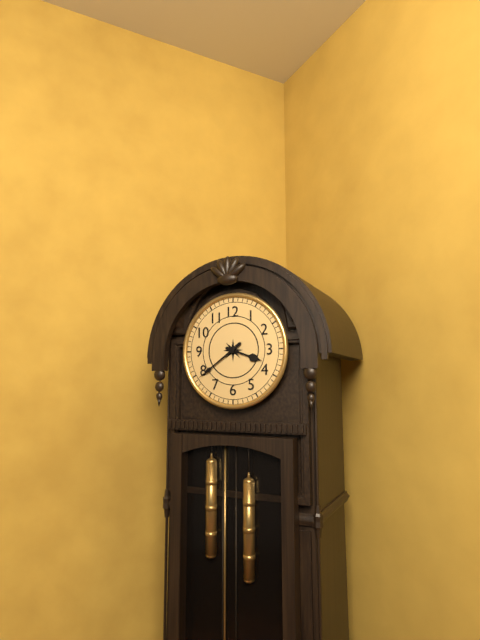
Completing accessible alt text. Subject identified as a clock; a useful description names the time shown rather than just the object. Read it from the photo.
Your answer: 3:39
